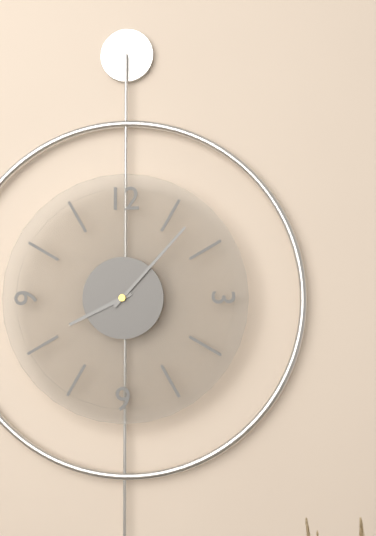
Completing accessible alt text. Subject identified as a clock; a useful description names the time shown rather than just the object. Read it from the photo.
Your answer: 8:07
